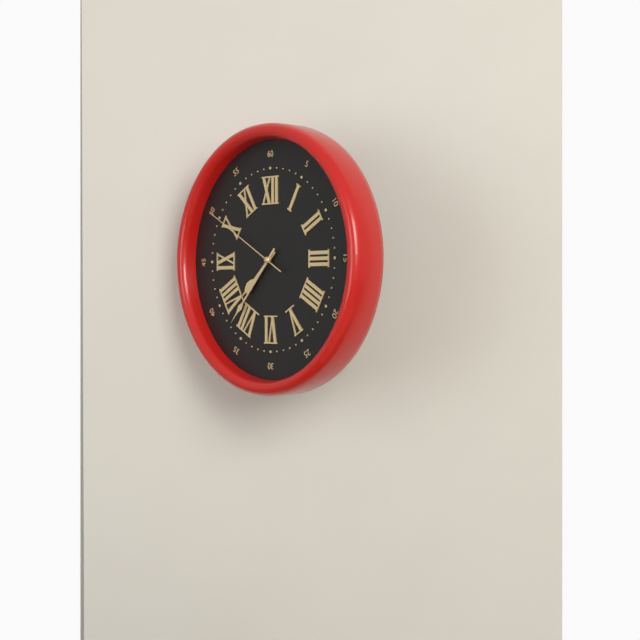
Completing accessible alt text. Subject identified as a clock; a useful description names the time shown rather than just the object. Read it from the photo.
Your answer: 7:37:50
